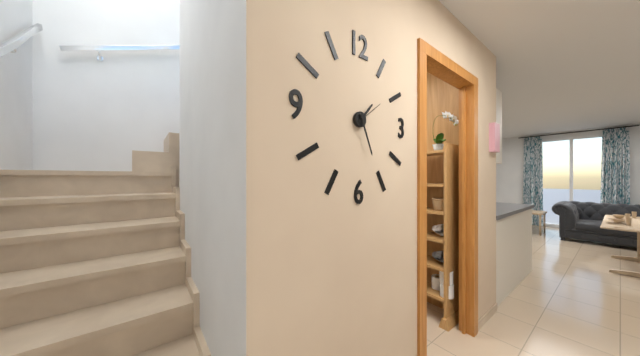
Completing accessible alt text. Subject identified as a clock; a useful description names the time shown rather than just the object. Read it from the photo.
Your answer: 1:26
